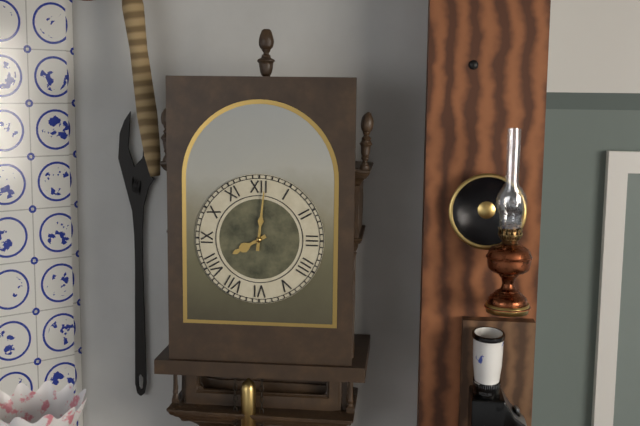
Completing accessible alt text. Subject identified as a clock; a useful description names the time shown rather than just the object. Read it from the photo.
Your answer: 8:01
